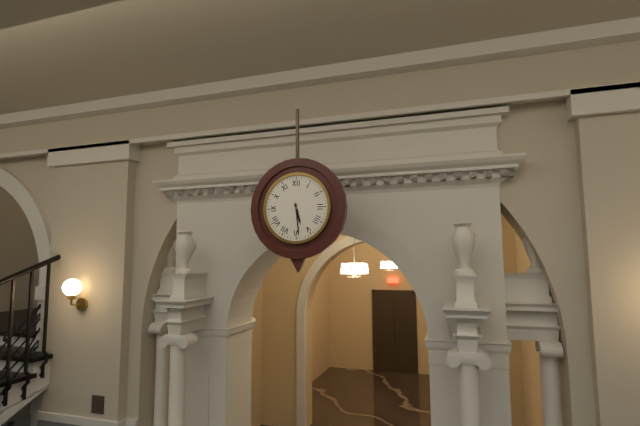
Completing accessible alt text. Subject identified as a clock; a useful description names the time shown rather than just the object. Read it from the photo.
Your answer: 5:29
